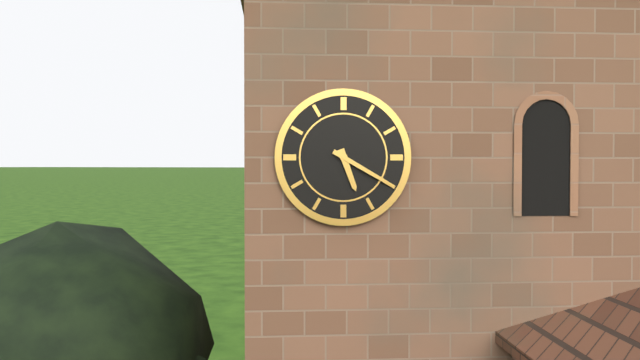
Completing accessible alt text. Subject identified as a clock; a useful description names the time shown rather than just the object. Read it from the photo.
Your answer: 5:20
